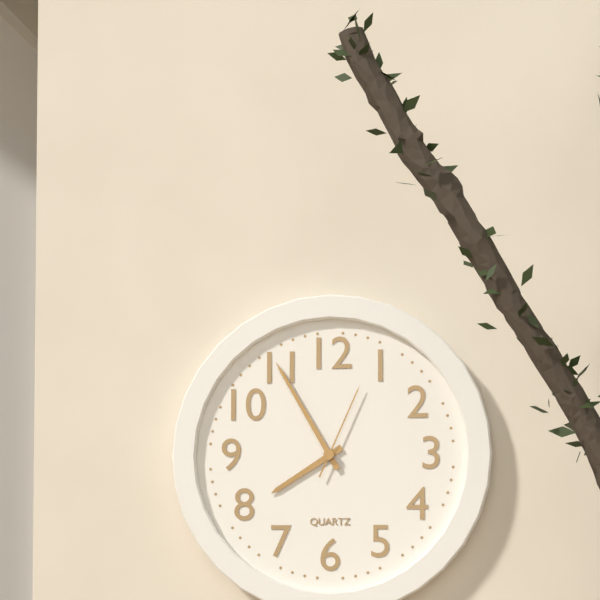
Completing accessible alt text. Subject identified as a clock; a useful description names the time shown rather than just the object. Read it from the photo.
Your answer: 7:55:04
